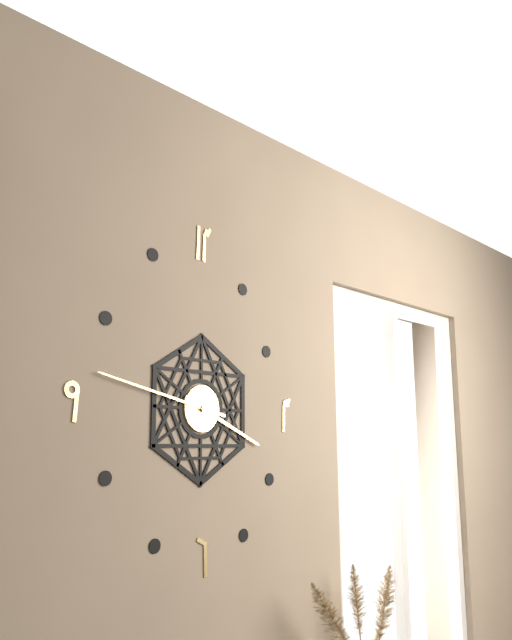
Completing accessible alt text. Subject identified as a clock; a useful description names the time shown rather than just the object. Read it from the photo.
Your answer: 3:47
